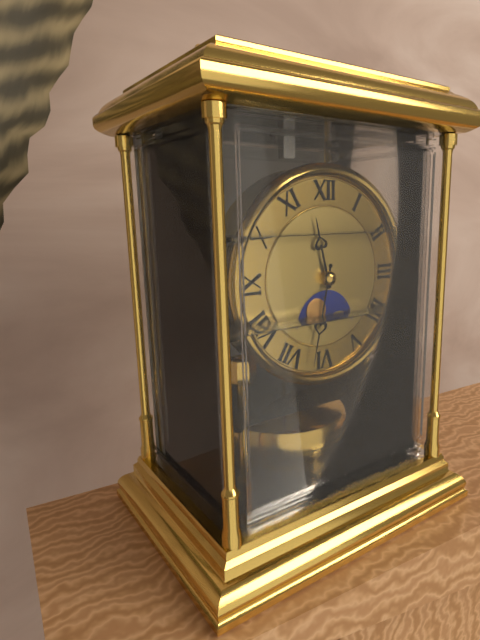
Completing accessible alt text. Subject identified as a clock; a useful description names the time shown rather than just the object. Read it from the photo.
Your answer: 11:32
